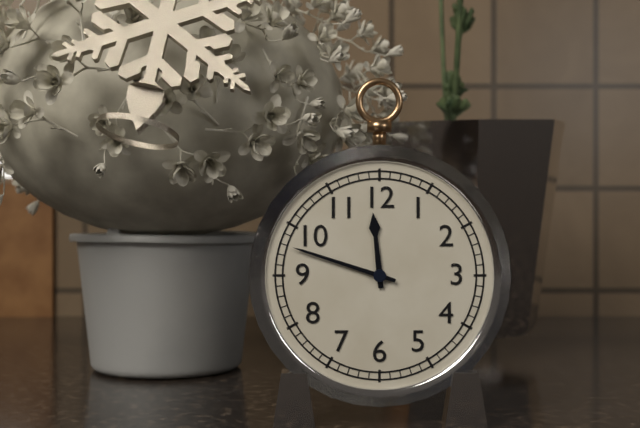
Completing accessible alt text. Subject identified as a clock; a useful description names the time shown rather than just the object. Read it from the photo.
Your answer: 11:48
